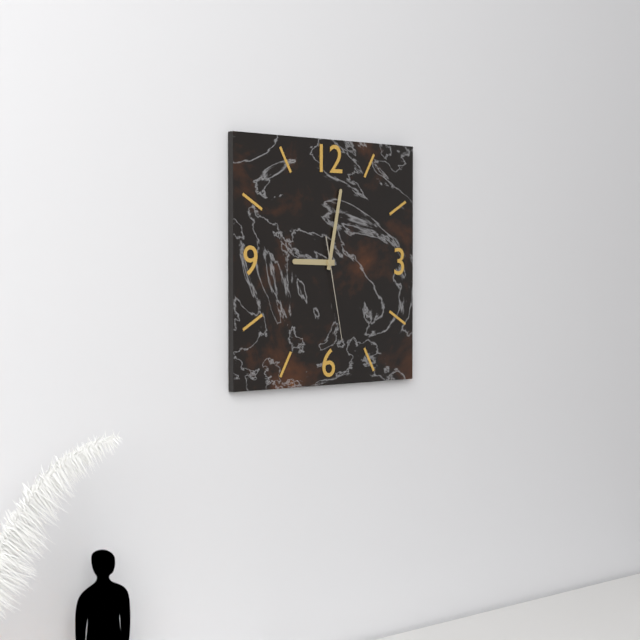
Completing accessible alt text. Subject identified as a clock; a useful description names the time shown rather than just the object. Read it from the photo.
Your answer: 9:02:28
